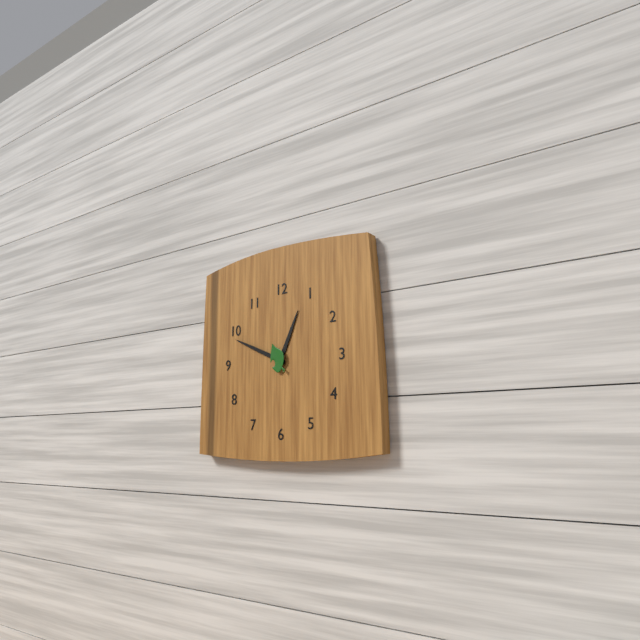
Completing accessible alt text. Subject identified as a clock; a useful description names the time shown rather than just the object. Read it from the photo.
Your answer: 12:49
